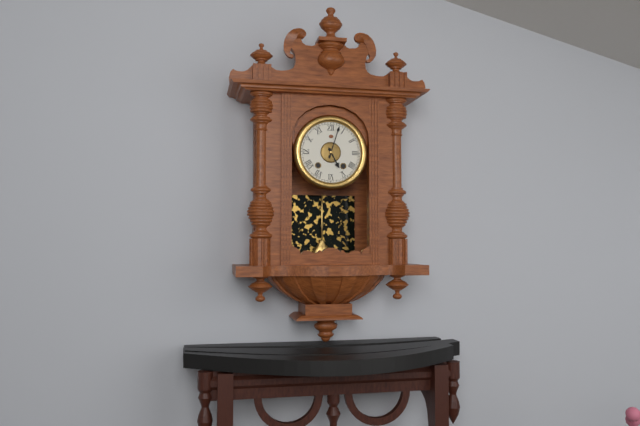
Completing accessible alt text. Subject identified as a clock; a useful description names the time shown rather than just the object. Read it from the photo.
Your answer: 5:03
